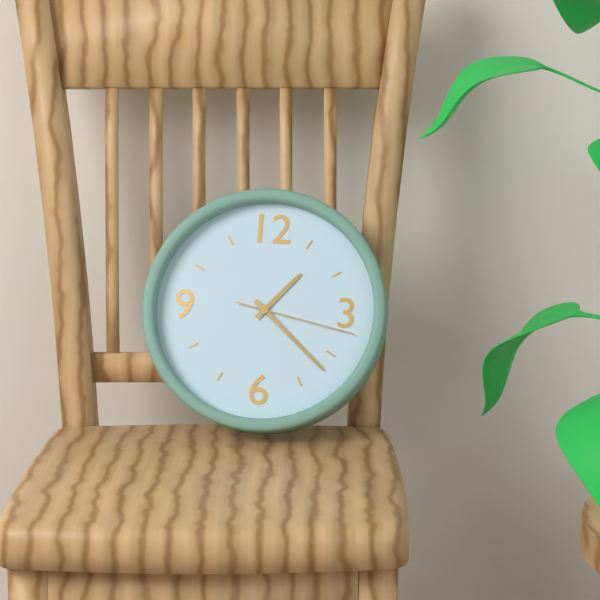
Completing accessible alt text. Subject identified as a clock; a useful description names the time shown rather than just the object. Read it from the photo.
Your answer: 1:22:17
